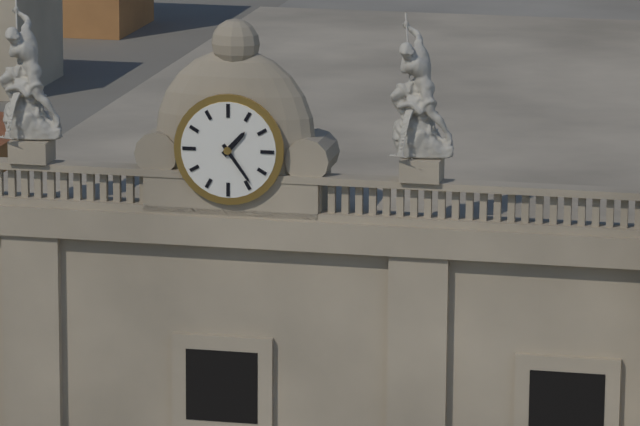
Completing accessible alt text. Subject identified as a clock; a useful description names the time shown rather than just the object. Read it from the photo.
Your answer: 1:24
